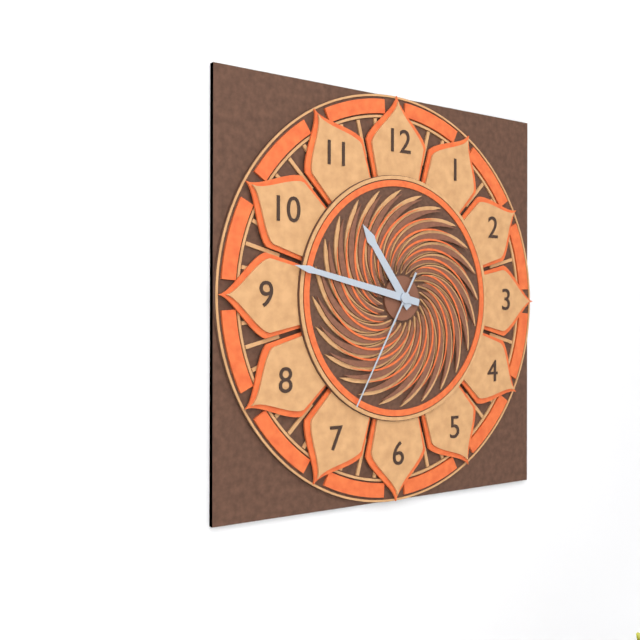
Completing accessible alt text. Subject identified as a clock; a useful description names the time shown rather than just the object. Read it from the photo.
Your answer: 10:47:35
